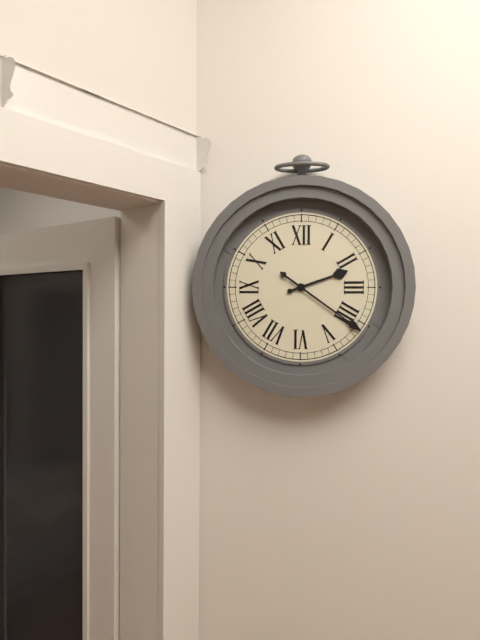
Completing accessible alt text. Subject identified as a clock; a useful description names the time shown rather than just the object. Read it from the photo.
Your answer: 2:21
